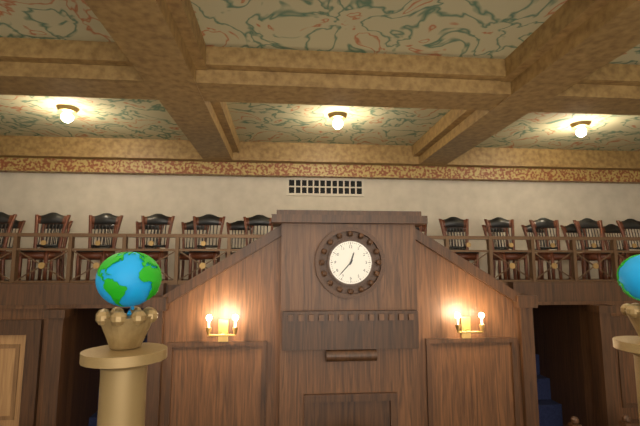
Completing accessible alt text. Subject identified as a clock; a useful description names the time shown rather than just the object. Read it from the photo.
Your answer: 12:37
